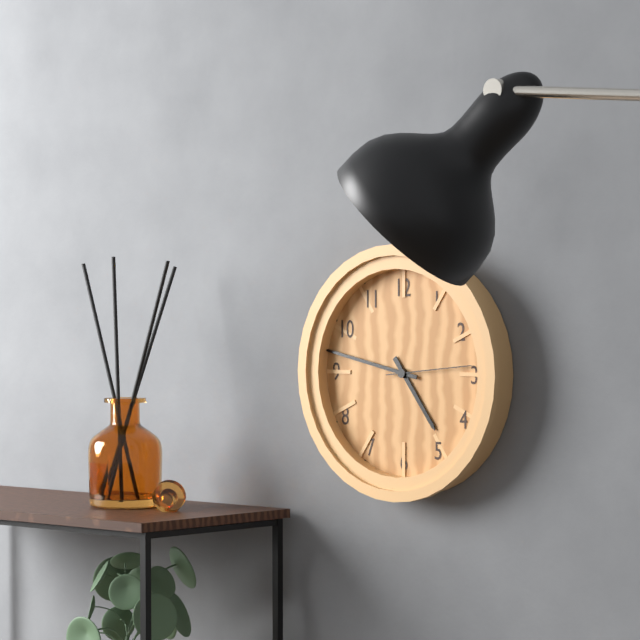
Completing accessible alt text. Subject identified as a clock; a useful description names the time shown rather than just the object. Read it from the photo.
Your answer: 4:47:14
